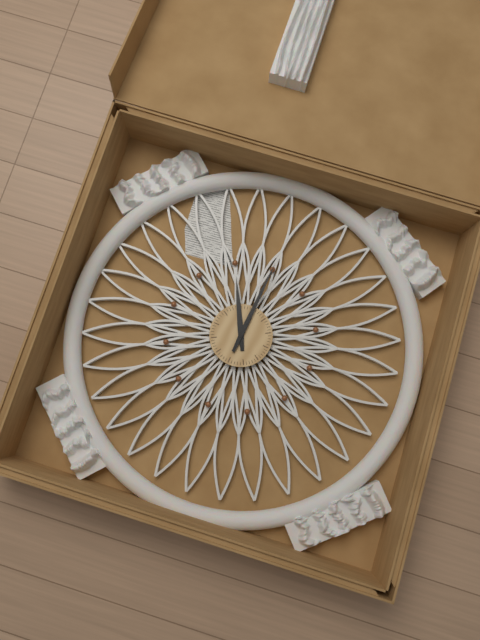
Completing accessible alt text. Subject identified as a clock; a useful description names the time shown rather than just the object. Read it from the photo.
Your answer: 11:00
